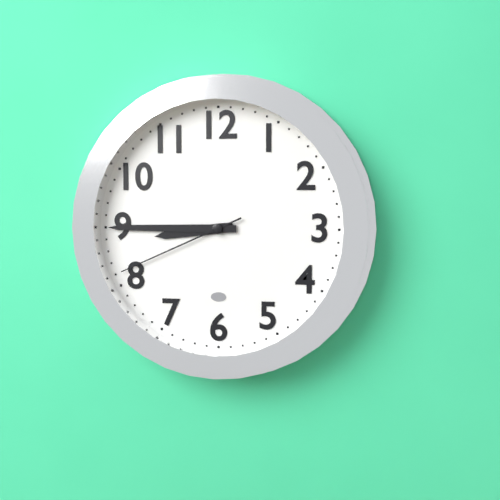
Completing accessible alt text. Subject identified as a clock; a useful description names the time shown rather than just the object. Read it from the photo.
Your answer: 8:45:41
